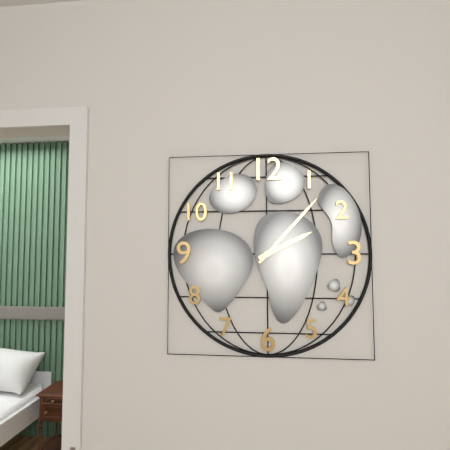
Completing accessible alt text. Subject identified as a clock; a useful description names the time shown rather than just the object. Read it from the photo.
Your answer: 2:07
